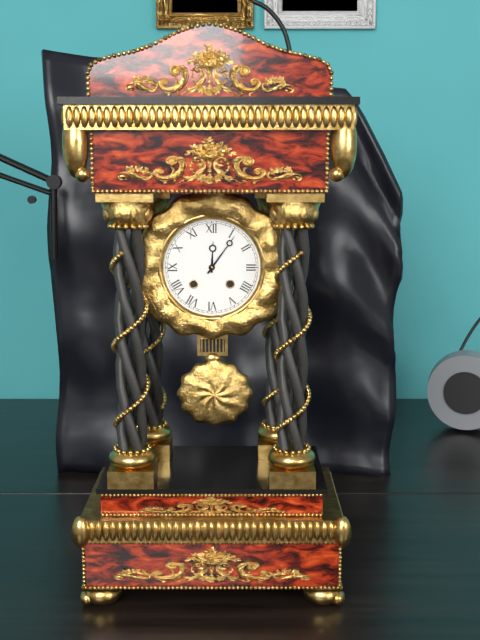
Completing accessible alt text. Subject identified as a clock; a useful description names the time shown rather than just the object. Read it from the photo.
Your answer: 12:06
